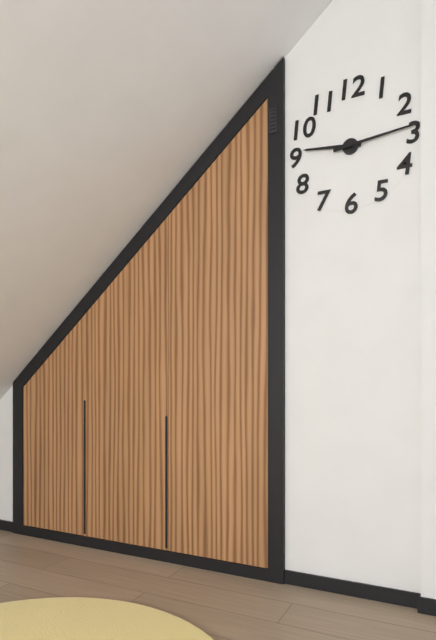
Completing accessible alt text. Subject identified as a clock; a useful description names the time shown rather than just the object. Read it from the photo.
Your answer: 9:14
